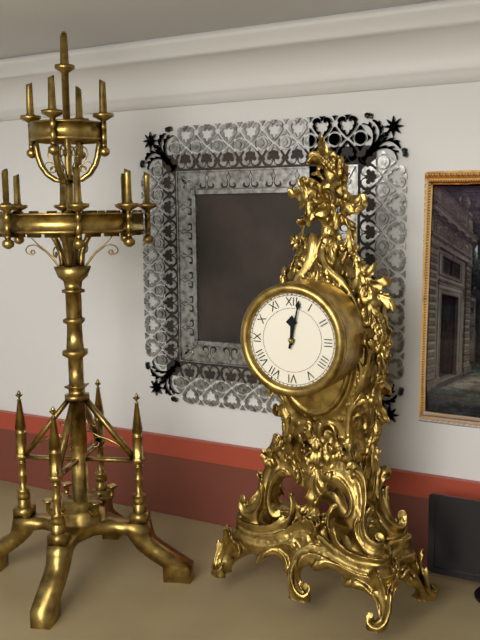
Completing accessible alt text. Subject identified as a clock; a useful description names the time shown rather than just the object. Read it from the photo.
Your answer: 12:02
